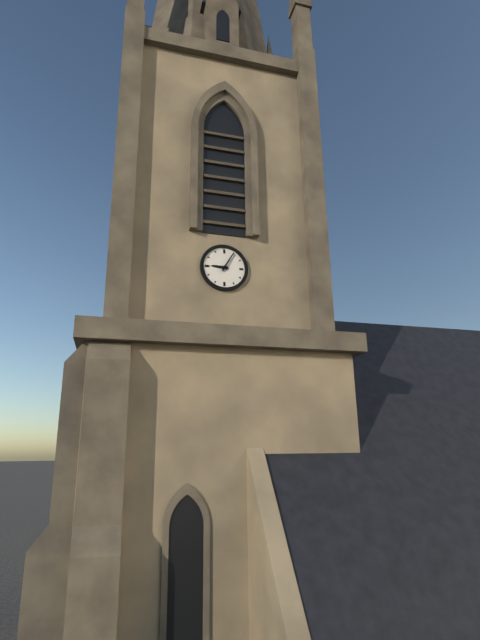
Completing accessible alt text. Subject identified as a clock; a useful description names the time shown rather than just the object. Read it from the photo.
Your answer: 9:05
